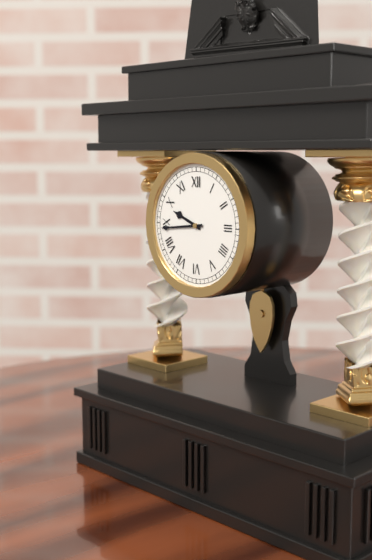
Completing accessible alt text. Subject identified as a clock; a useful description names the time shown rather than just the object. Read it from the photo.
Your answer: 9:44
